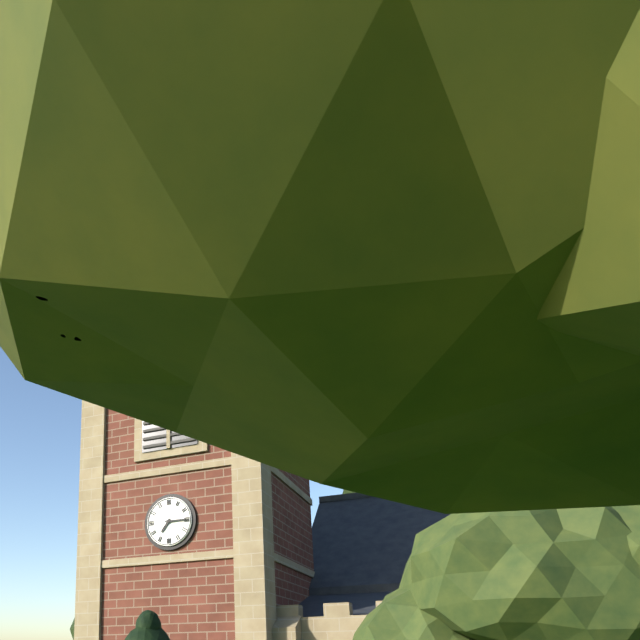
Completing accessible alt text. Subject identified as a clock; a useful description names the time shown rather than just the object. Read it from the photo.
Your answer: 7:15
